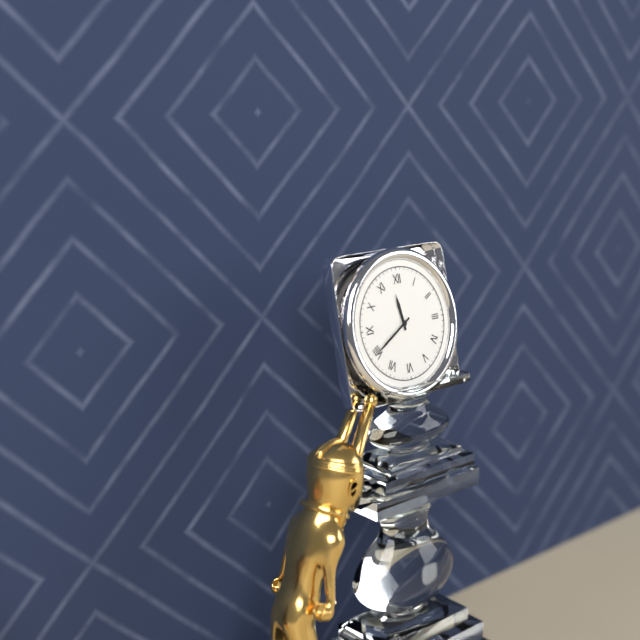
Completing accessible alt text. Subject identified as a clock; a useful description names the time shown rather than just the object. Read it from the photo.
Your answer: 11:40
